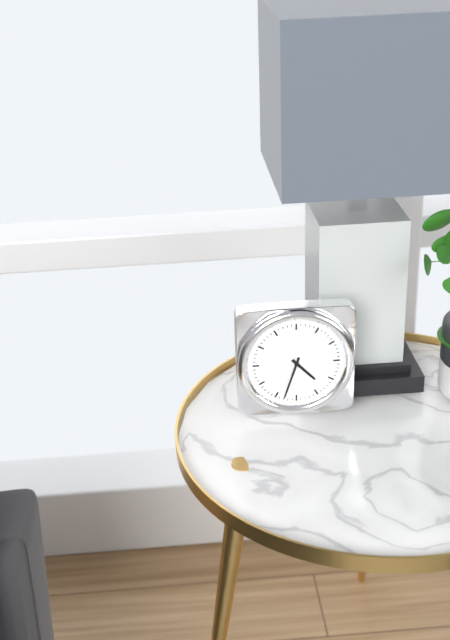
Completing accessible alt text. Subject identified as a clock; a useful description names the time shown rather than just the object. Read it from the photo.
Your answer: 4:33
